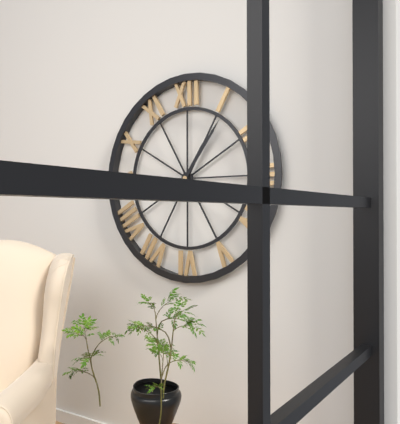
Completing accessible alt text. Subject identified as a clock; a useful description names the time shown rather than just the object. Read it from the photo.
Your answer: 1:06
